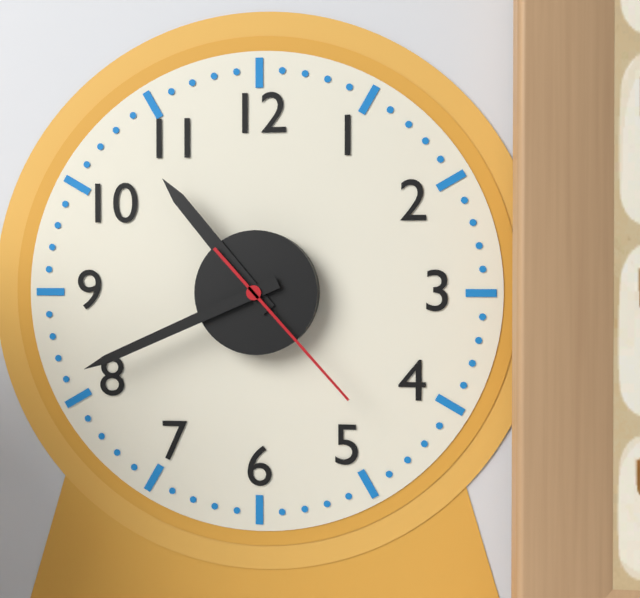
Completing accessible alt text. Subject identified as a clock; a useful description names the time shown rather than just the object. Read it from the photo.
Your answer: 10:41:23
